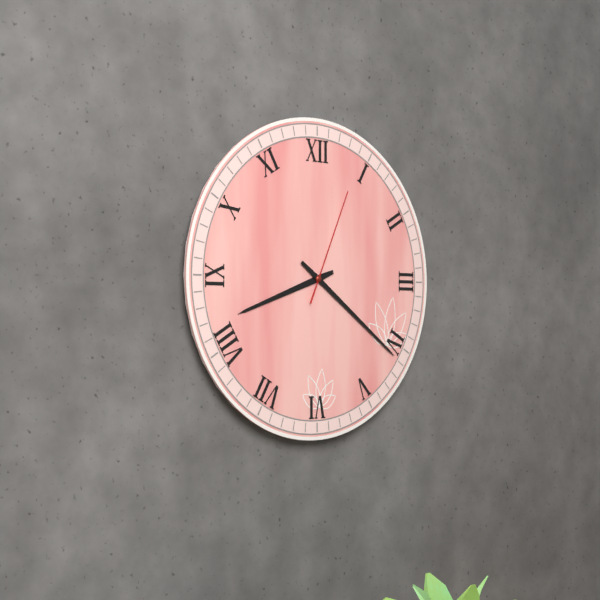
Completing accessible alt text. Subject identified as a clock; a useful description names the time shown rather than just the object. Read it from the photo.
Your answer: 8:21:04
